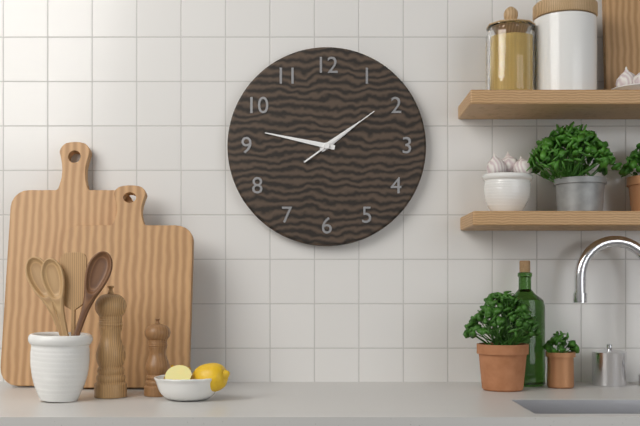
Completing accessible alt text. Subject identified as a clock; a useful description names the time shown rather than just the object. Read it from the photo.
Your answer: 1:47:09
